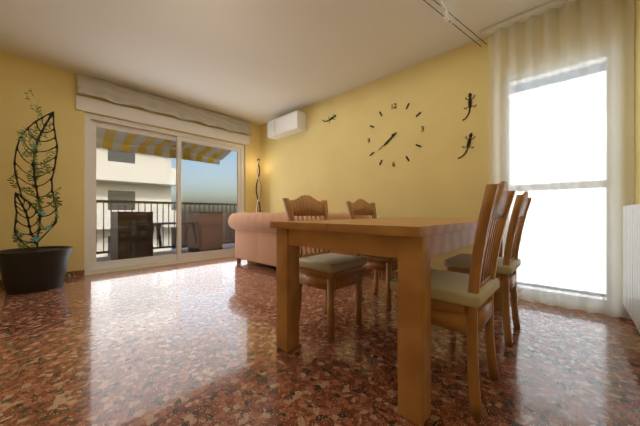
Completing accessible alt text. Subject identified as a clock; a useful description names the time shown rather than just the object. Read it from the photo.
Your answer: 7:39
